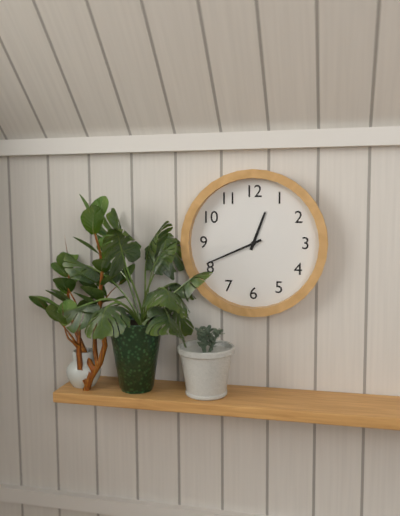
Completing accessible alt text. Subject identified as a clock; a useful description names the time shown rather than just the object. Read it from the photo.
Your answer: 12:41
